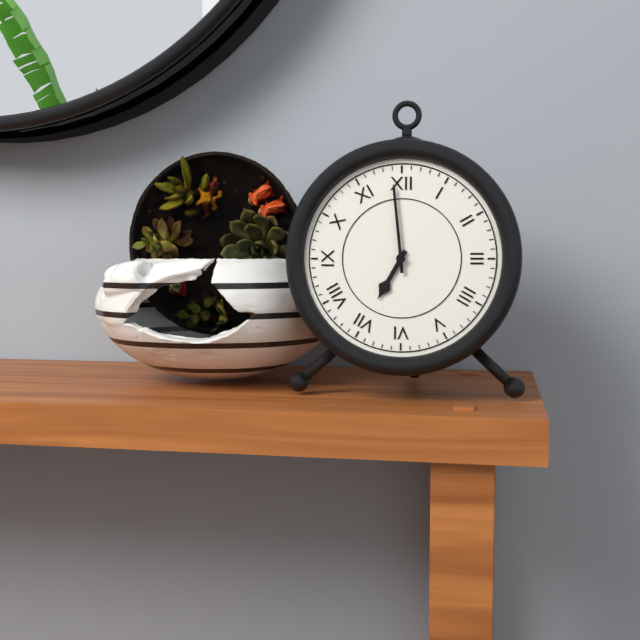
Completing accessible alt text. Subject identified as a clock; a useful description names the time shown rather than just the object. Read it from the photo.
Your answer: 6:59
